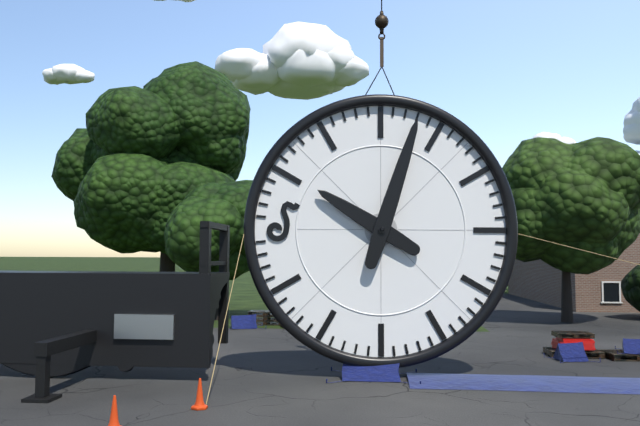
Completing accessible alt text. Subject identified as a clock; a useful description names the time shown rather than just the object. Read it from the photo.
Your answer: 10:03
